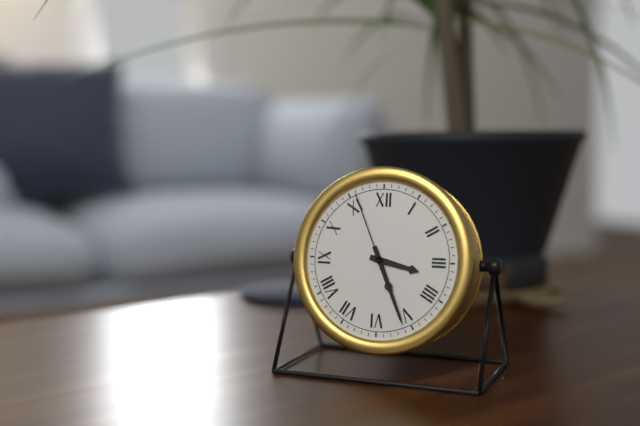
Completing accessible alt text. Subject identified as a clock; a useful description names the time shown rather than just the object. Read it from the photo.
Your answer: 3:26:56
